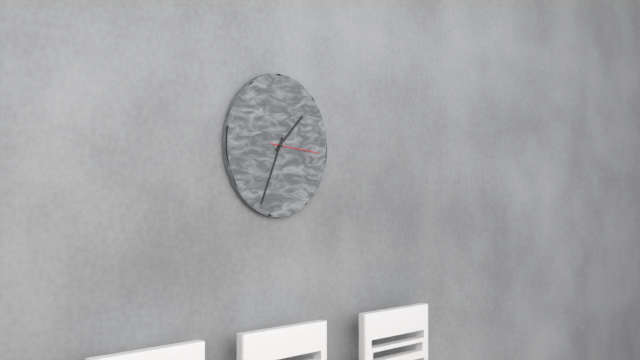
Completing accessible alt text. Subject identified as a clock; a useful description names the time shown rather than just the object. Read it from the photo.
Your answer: 1:34:16
